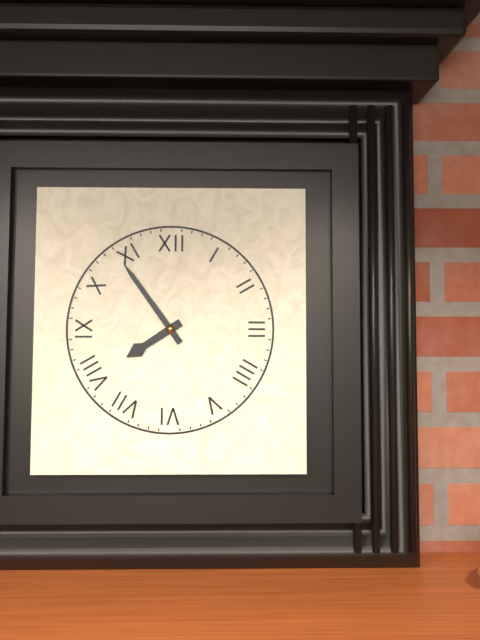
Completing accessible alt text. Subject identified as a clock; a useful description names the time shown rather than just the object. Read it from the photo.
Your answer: 7:54
